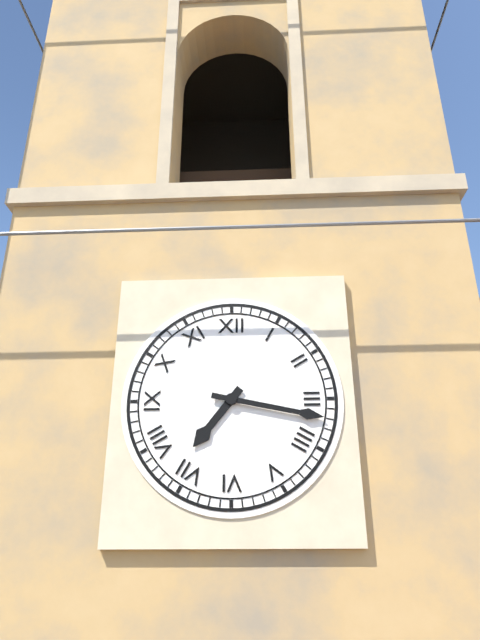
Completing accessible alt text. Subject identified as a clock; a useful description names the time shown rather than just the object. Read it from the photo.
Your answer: 7:17
